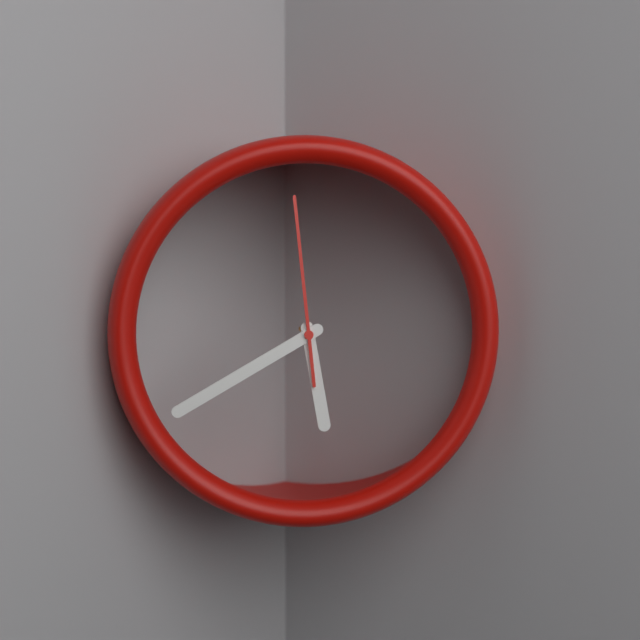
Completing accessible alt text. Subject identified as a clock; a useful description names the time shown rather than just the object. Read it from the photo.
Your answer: 5:40:59
